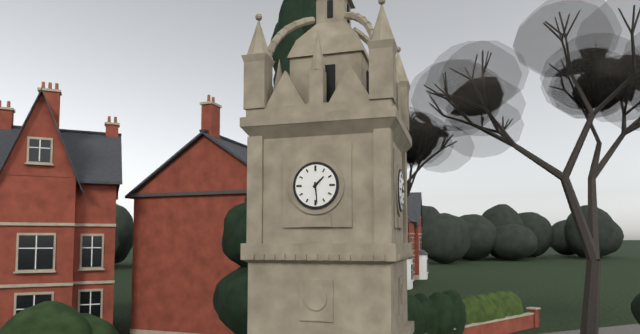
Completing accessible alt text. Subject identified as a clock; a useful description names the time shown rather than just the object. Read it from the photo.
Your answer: 1:29
